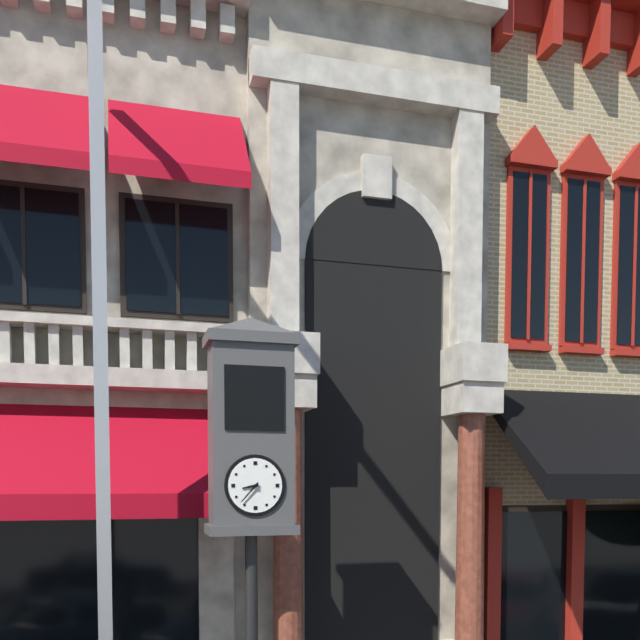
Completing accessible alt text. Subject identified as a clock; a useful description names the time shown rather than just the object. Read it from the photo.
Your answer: 8:37
